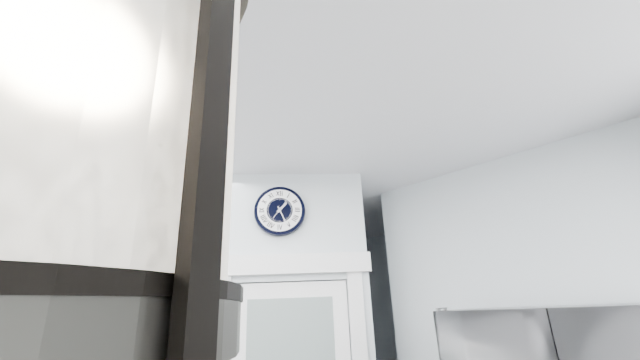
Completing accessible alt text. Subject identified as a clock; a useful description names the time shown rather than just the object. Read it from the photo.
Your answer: 1:26
